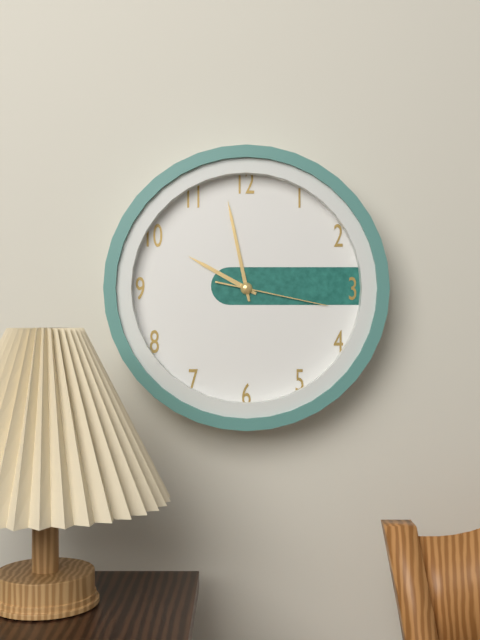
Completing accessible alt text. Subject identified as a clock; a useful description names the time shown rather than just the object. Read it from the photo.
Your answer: 9:58:17
